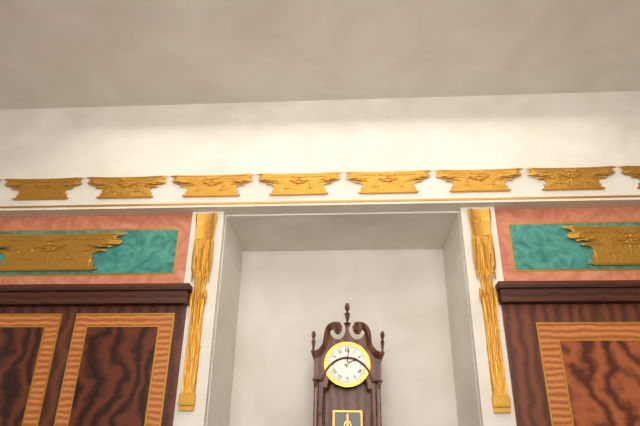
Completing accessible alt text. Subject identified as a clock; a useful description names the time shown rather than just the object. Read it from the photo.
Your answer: 2:01
